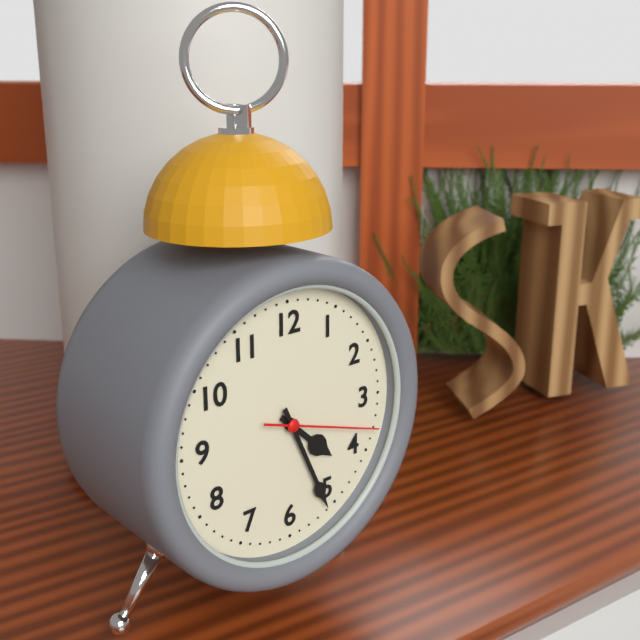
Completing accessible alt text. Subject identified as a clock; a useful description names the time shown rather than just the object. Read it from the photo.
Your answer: 4:26:18
